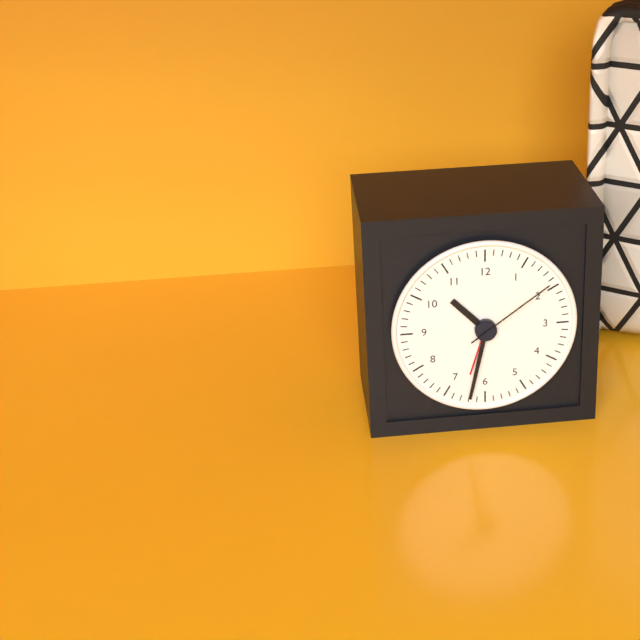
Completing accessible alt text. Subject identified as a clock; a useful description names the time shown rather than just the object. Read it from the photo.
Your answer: 10:32:09
